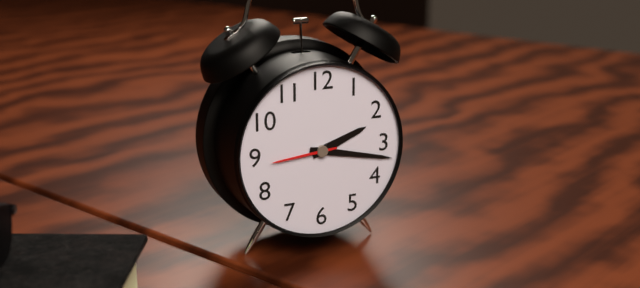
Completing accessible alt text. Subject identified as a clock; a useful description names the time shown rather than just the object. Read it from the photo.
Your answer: 2:17:44
